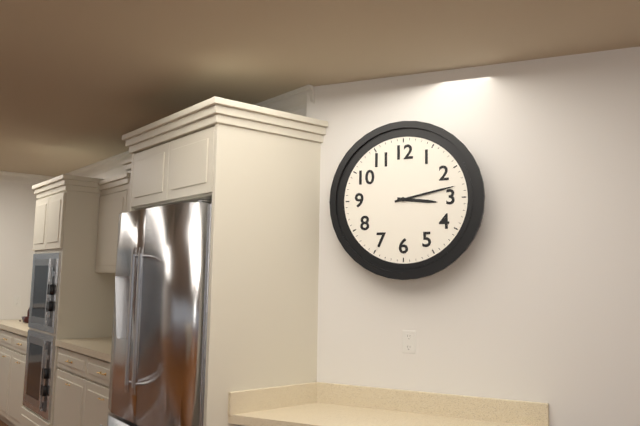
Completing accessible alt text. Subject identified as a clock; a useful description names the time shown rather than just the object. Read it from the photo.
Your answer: 3:13
